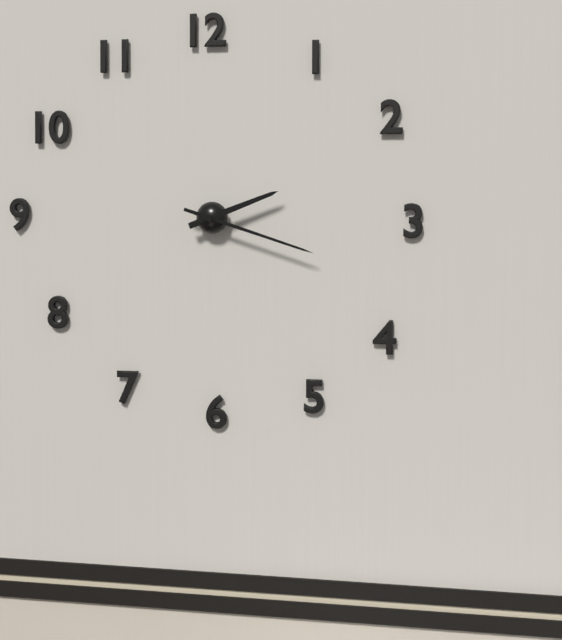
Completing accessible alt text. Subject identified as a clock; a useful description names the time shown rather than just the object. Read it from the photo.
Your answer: 2:18
